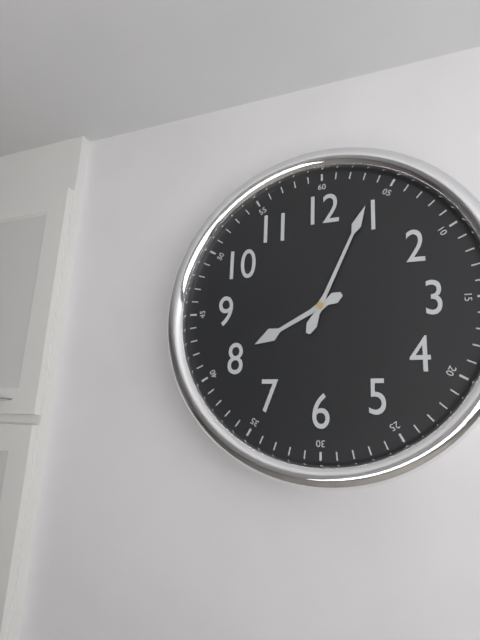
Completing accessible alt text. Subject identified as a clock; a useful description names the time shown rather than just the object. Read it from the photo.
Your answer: 8:04
